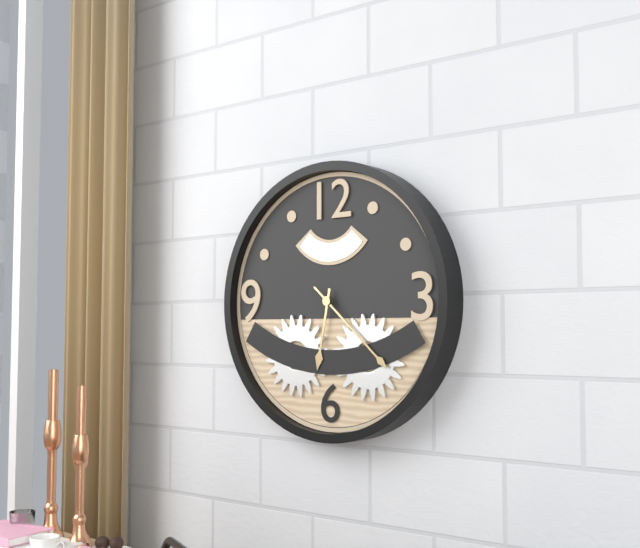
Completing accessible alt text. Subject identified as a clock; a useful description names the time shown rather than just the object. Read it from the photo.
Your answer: 6:22
